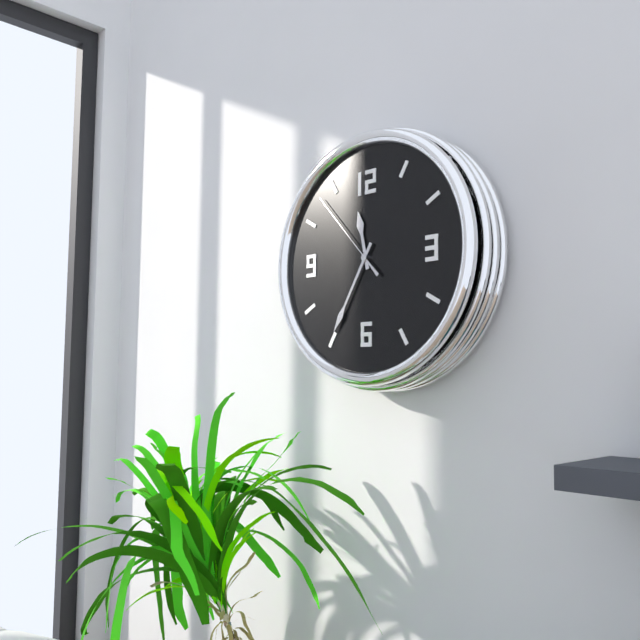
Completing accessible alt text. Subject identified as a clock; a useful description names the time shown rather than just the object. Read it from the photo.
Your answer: 11:35:53
